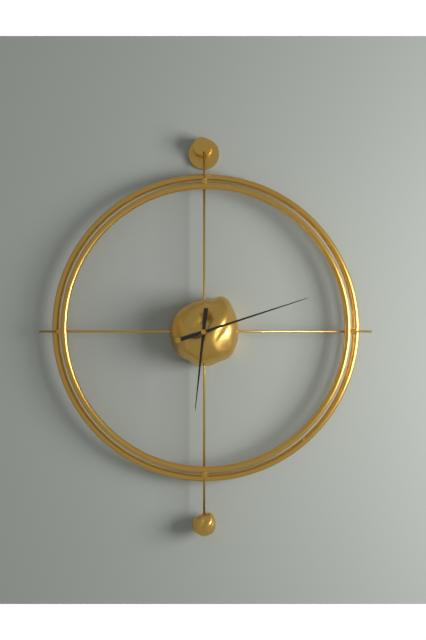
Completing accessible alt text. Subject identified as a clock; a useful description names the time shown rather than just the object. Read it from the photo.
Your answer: 6:12
